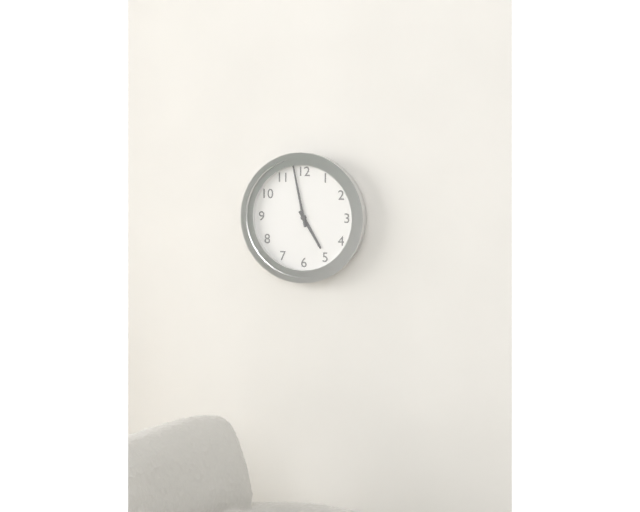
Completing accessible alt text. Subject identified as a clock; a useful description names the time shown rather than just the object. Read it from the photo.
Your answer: 4:58
